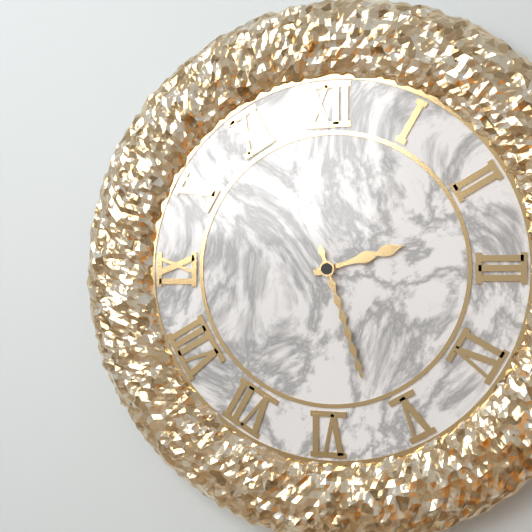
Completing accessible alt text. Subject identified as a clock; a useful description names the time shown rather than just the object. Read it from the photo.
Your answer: 2:27
